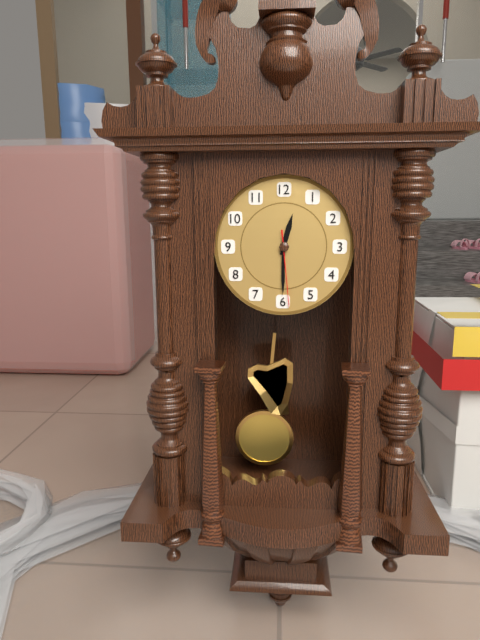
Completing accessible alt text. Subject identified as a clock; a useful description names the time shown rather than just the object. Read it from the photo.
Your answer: 12:30:29
